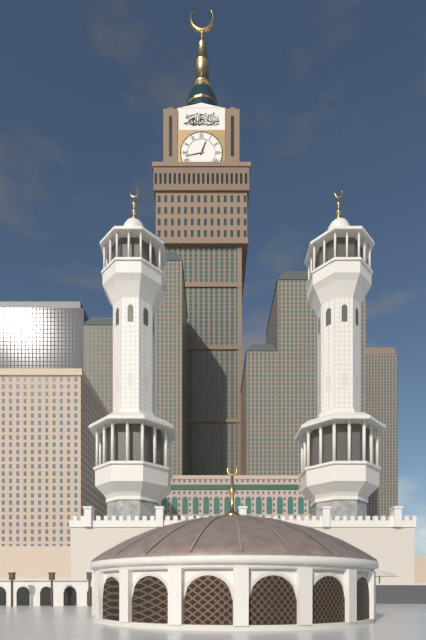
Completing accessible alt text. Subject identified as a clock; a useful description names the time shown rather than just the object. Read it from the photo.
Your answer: 12:43
